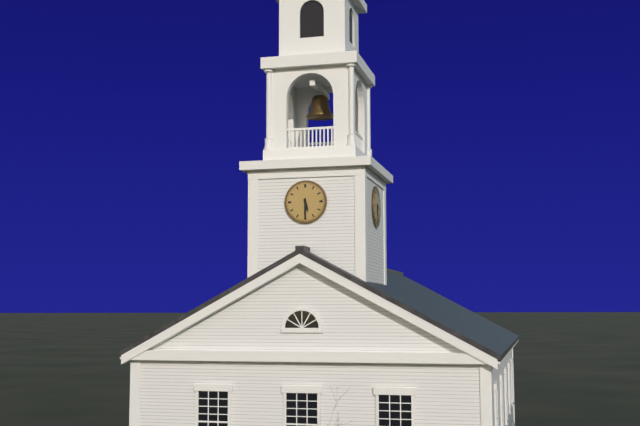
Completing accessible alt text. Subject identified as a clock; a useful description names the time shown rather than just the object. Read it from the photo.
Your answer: 5:30
